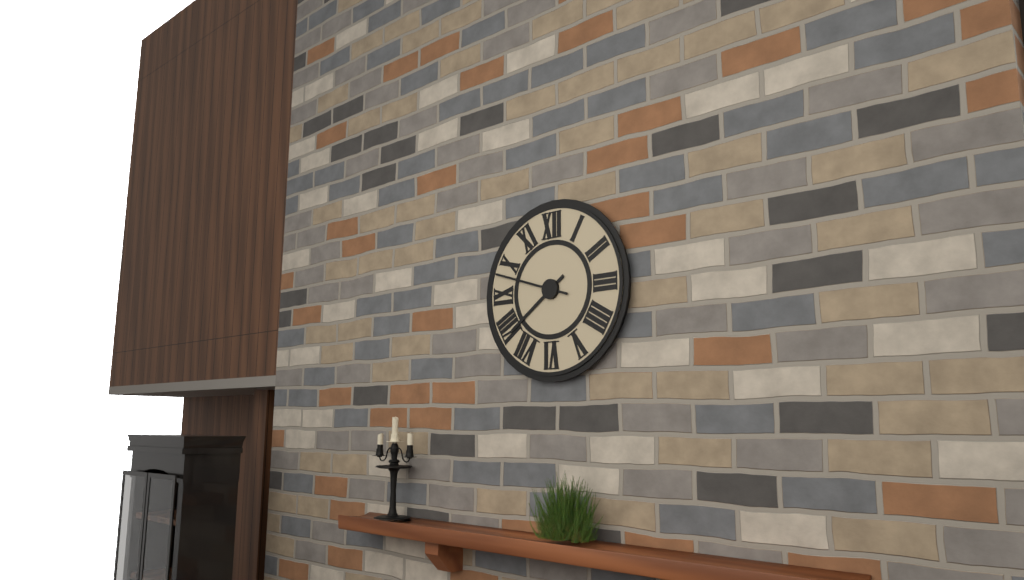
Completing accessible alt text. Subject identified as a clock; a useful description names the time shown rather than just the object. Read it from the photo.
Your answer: 7:48
